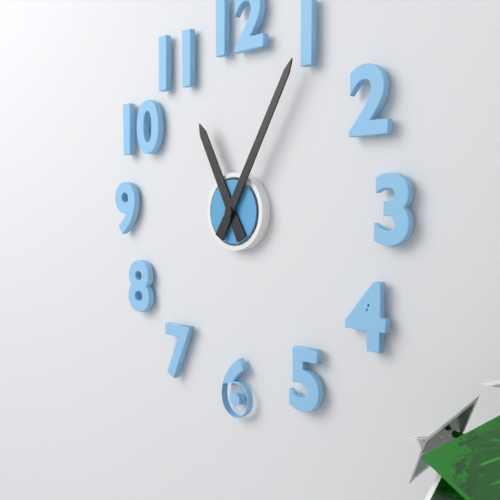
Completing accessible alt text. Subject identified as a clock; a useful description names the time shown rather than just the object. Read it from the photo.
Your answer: 11:05
